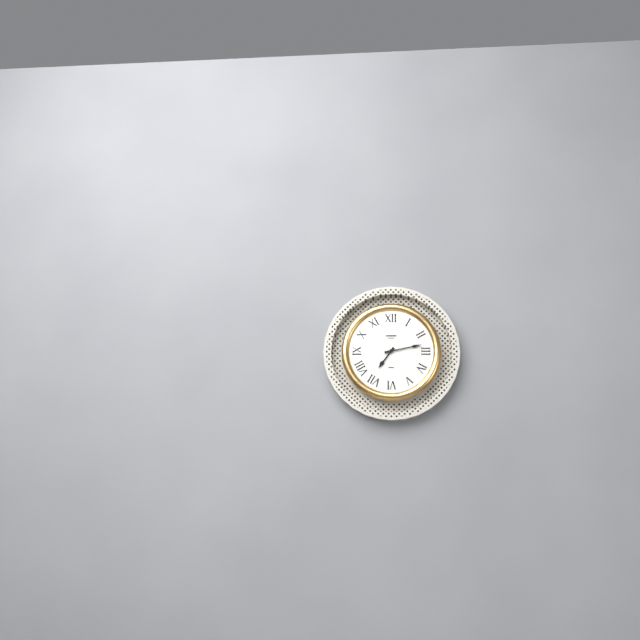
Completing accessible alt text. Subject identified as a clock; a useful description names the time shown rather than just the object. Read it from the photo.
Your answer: 7:13
